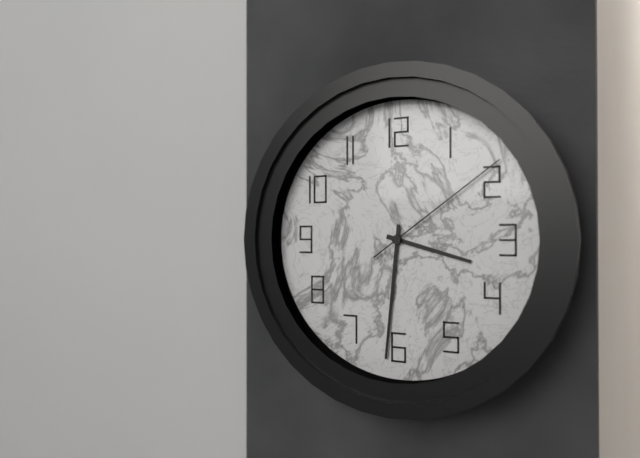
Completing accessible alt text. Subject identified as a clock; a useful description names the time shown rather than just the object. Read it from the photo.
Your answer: 3:31:09
